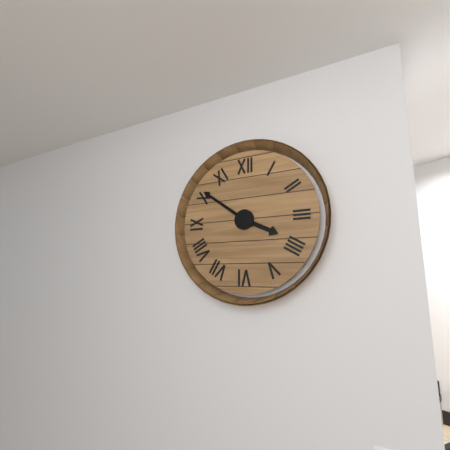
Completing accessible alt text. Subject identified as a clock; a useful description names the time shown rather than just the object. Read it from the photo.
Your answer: 3:51
